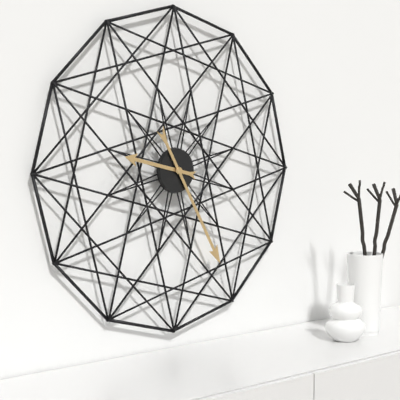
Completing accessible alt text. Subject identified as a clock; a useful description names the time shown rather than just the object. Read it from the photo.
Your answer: 9:25
